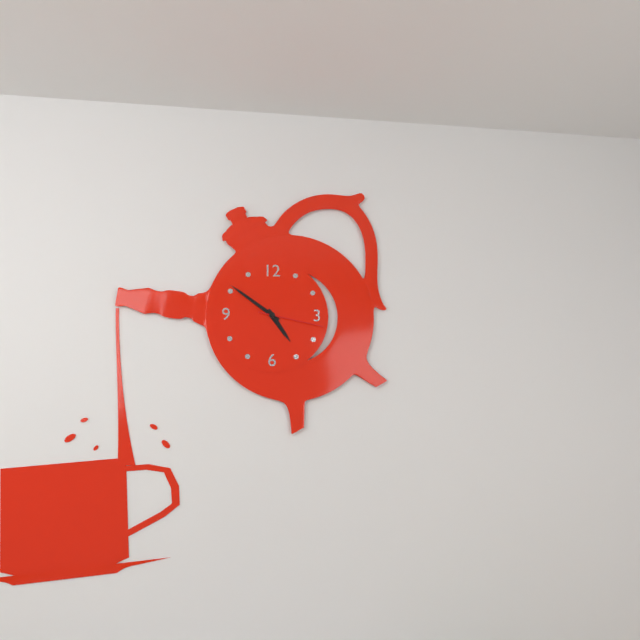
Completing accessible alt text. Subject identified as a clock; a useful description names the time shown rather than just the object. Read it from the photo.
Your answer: 4:51:17
